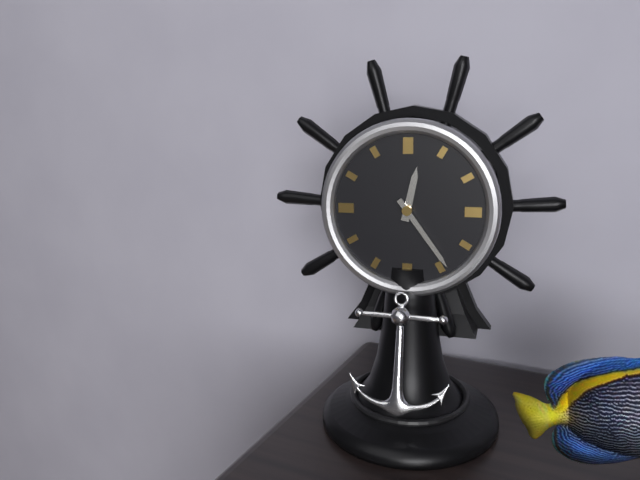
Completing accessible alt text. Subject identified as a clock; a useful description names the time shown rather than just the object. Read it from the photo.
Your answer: 12:24
